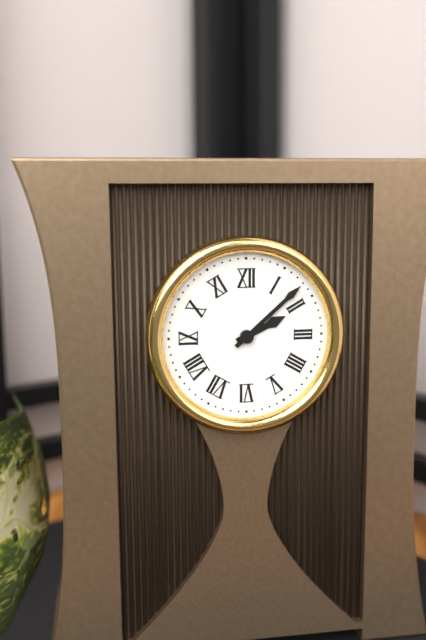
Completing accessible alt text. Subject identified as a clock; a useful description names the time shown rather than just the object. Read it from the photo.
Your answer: 2:08
